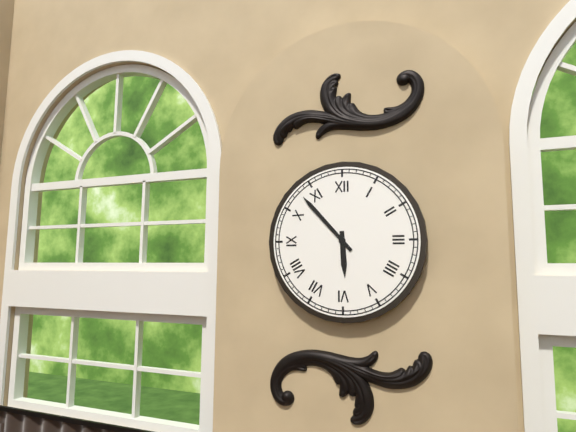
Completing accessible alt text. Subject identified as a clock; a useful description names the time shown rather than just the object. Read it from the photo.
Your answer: 5:53
